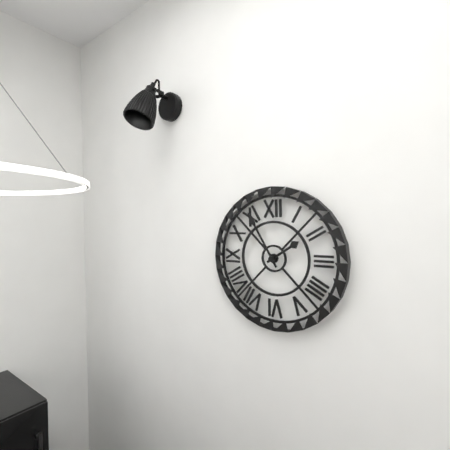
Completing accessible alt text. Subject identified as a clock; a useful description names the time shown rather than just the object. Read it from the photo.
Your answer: 1:55
